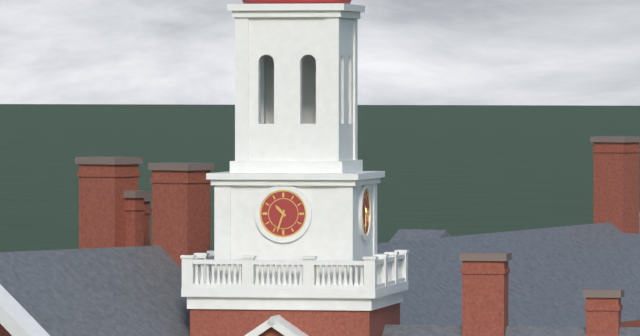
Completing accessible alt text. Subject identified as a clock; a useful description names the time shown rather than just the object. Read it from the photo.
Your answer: 10:33
